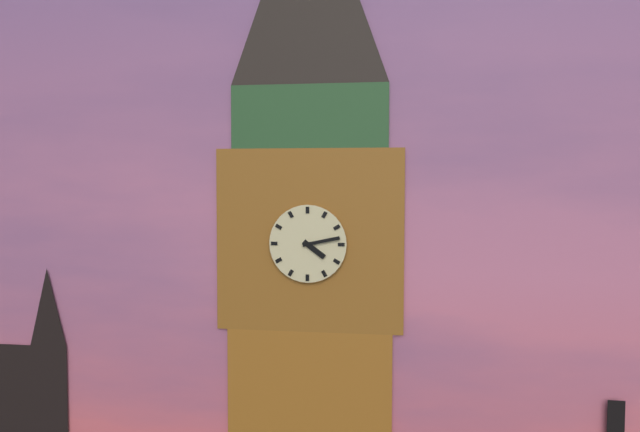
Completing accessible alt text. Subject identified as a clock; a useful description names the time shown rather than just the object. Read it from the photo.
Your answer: 4:13
